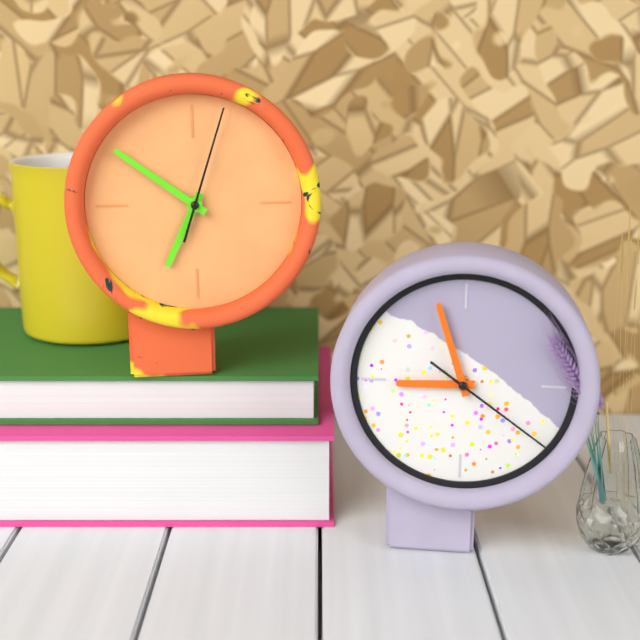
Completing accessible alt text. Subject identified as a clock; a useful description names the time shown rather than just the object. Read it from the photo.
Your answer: 6:51:03
